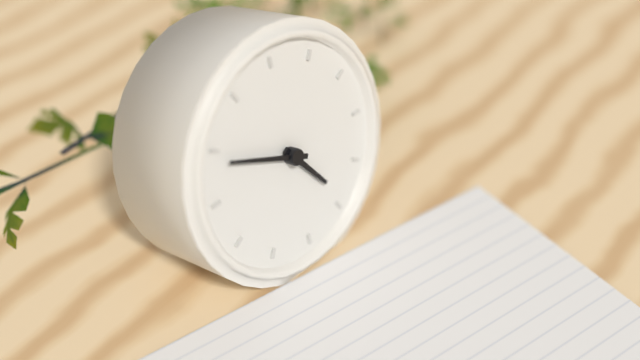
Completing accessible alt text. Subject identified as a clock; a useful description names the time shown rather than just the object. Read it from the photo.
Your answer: 4:49
